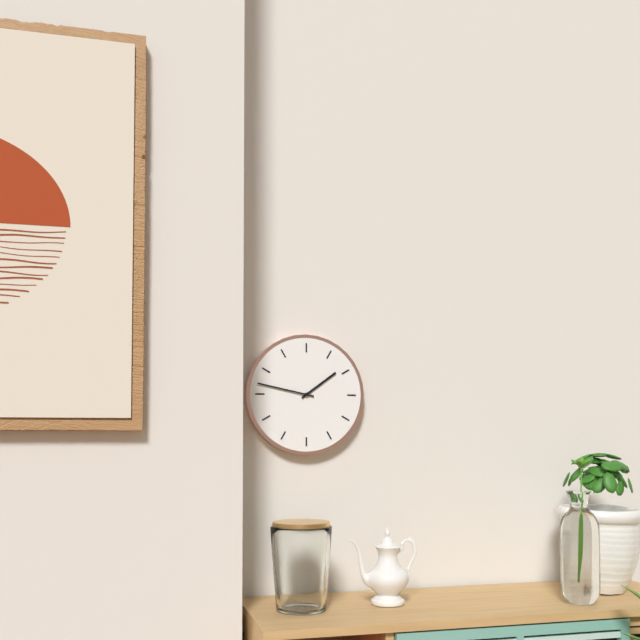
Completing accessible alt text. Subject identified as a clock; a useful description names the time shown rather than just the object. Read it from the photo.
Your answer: 1:47
